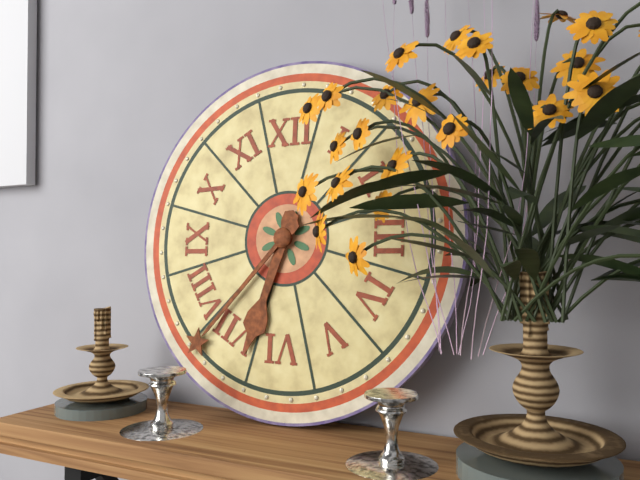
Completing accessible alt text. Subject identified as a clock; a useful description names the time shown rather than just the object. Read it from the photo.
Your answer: 6:37
